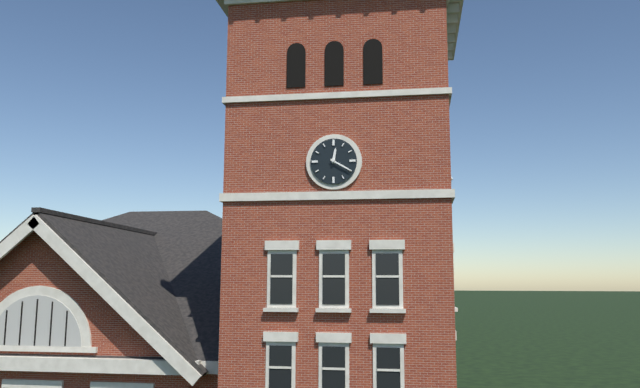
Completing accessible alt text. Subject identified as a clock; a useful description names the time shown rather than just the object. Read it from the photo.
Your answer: 12:20
